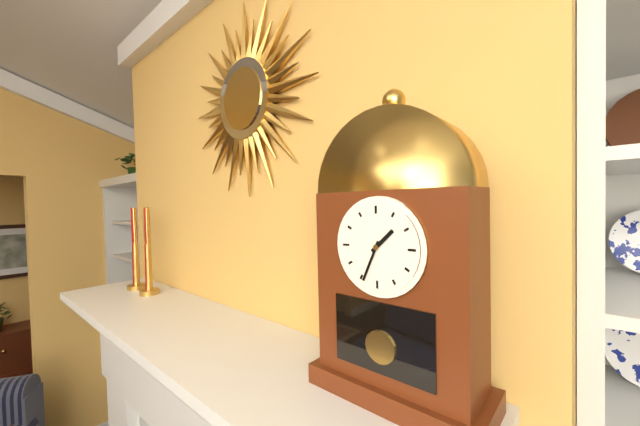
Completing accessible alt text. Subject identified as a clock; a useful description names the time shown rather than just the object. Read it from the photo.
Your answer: 1:34
